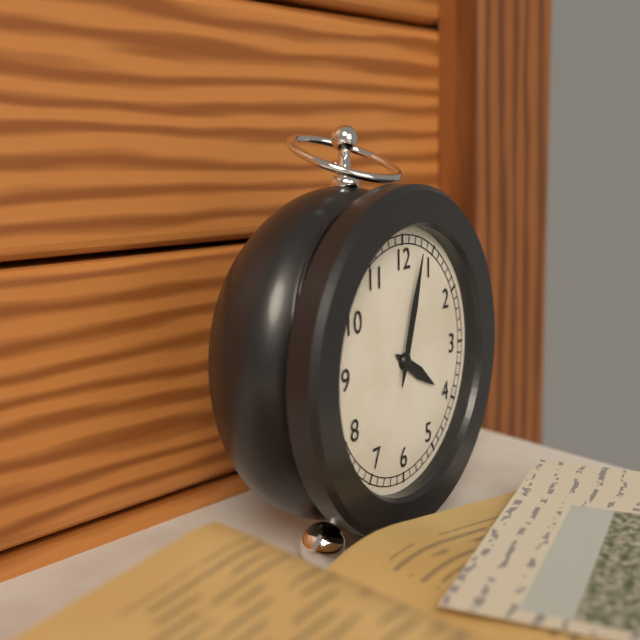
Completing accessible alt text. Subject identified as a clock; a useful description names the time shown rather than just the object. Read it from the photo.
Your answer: 4:03
